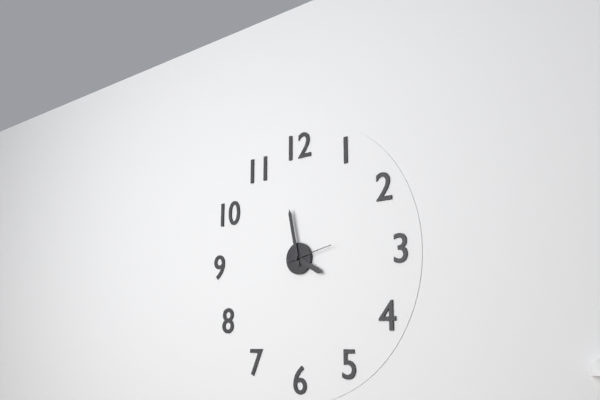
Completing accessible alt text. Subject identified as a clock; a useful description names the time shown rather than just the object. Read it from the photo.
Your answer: 3:58
